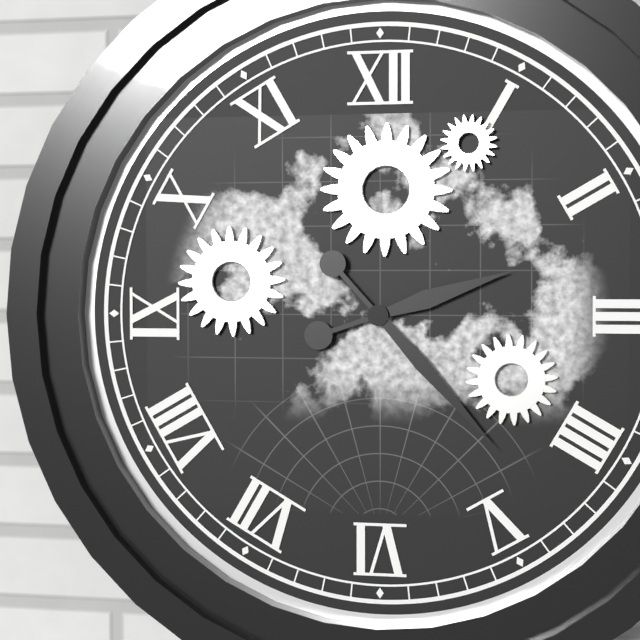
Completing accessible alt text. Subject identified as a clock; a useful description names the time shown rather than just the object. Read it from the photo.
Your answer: 2:23
